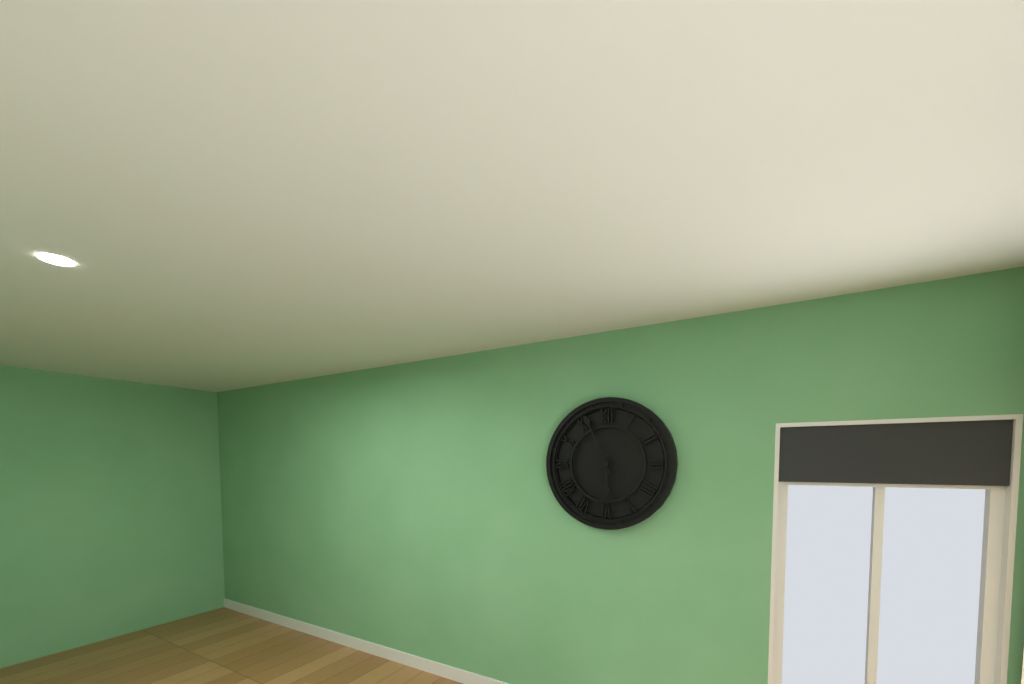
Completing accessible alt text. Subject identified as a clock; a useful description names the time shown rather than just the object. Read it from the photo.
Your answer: 5:56
